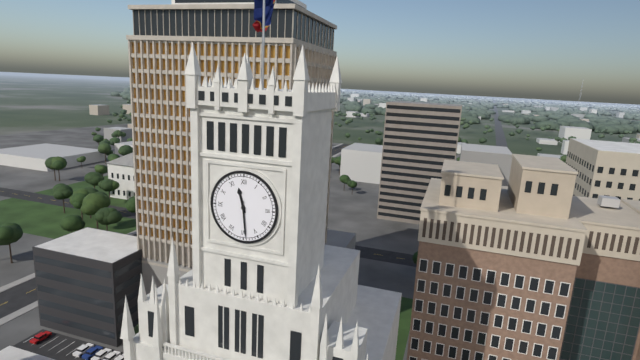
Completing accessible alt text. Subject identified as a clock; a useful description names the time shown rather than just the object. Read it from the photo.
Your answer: 11:29
